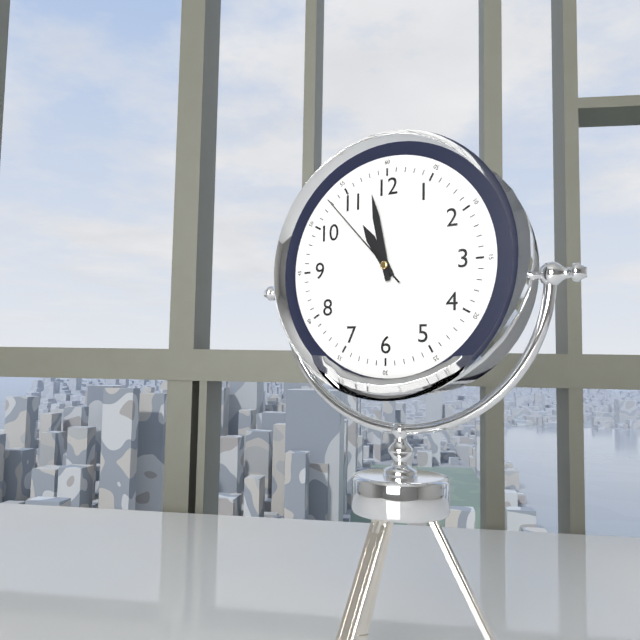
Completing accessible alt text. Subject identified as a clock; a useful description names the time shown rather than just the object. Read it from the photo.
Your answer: 10:58:53
